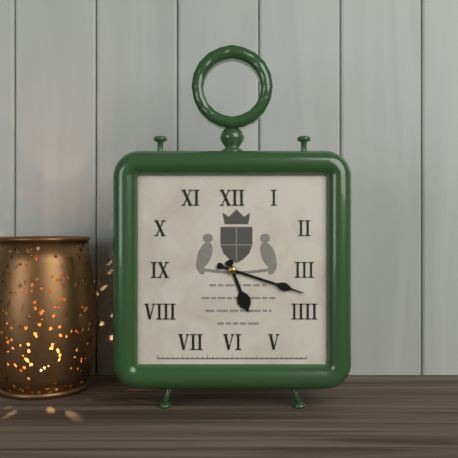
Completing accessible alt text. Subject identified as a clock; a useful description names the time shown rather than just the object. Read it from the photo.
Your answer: 5:18
